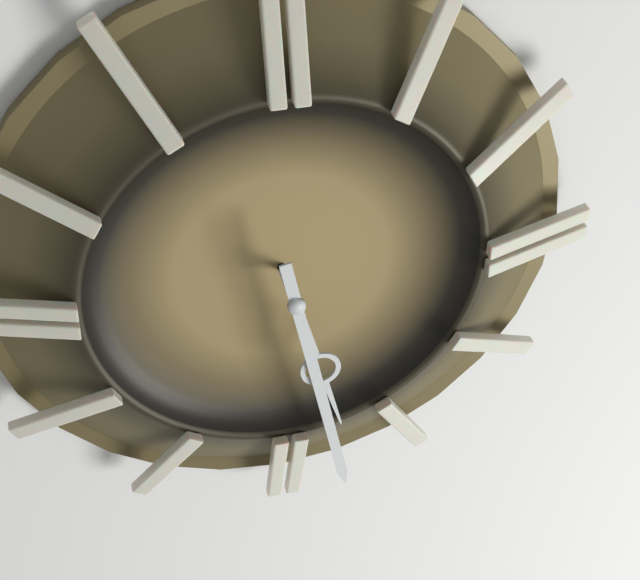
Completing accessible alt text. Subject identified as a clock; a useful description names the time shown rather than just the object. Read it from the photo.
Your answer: 5:28
